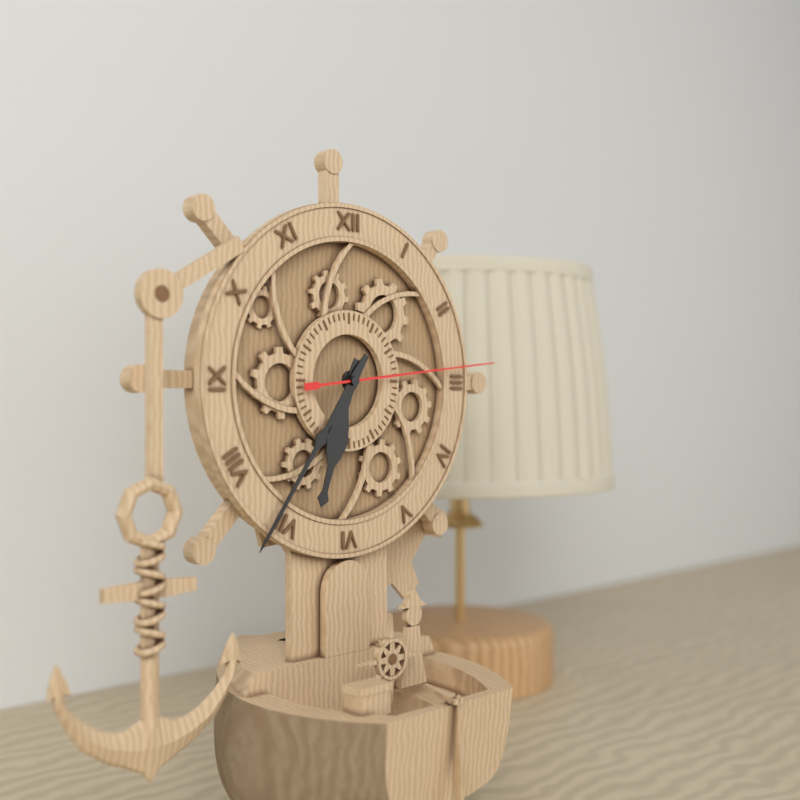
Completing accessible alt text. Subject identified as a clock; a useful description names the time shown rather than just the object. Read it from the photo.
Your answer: 6:36:14
